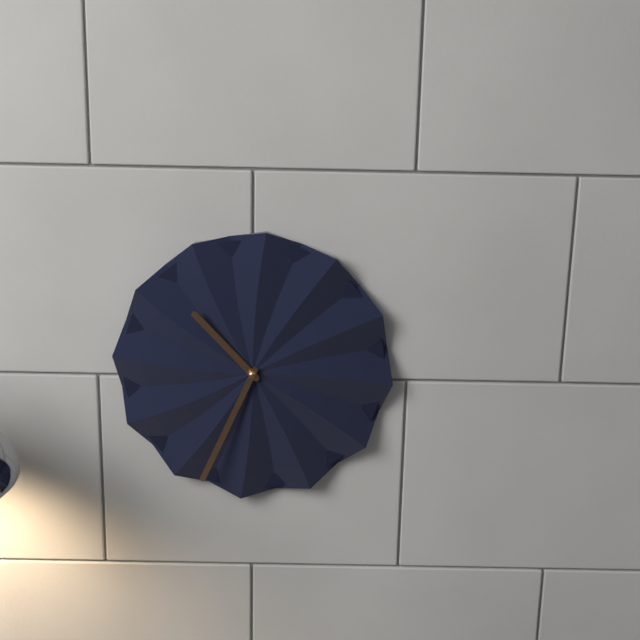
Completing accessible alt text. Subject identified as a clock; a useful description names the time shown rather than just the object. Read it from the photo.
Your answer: 10:34
